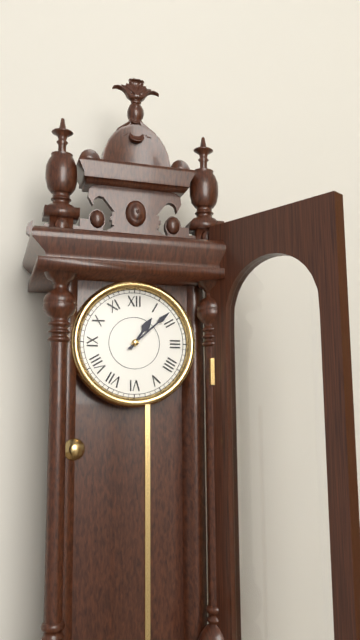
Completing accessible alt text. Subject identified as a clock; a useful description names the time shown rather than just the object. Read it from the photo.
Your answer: 1:08
